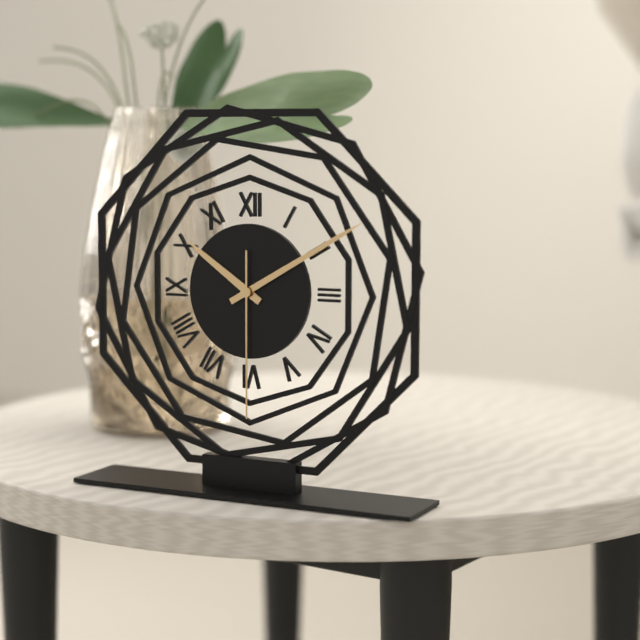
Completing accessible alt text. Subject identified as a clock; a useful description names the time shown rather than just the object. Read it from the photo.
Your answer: 10:10:30
